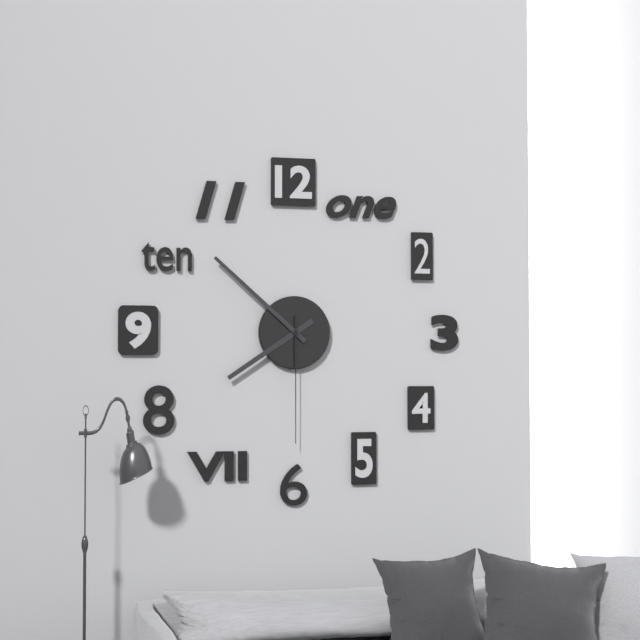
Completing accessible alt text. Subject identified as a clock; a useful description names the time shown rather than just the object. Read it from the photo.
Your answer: 7:52:30
